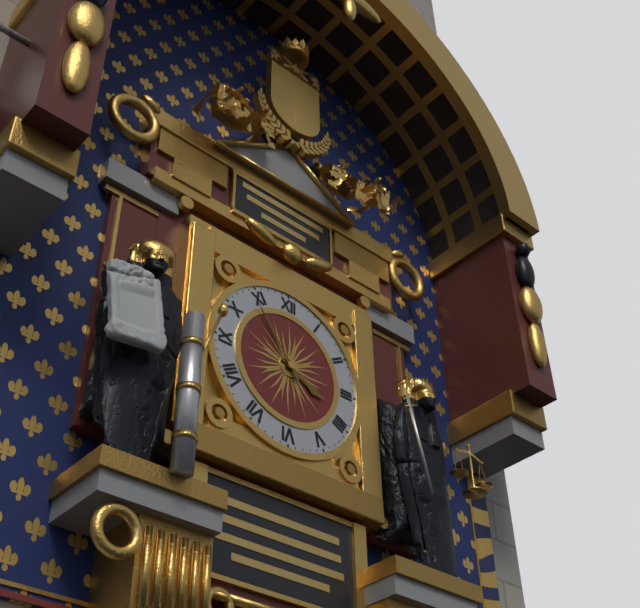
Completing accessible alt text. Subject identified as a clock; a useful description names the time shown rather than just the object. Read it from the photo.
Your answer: 3:54
